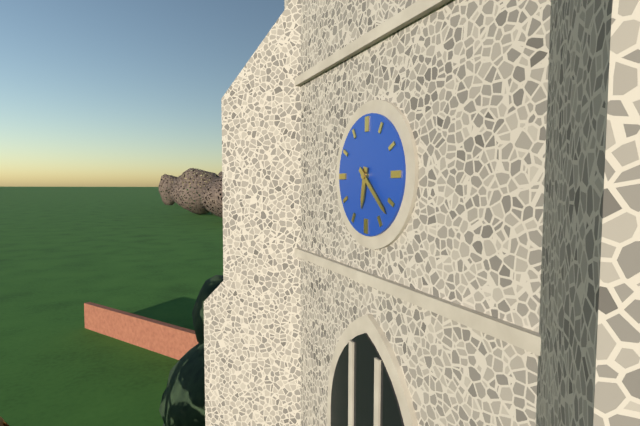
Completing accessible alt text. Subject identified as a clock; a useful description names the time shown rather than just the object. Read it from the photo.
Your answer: 6:22
